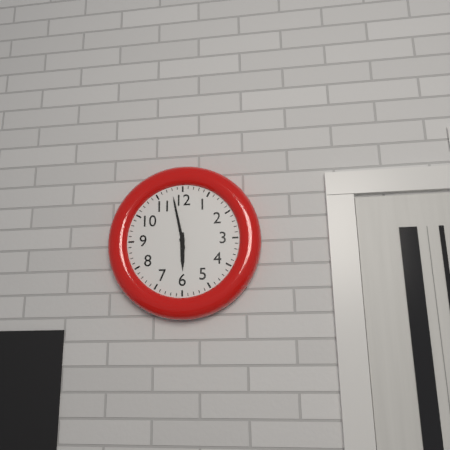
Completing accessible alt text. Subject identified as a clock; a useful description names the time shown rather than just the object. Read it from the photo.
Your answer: 5:58
